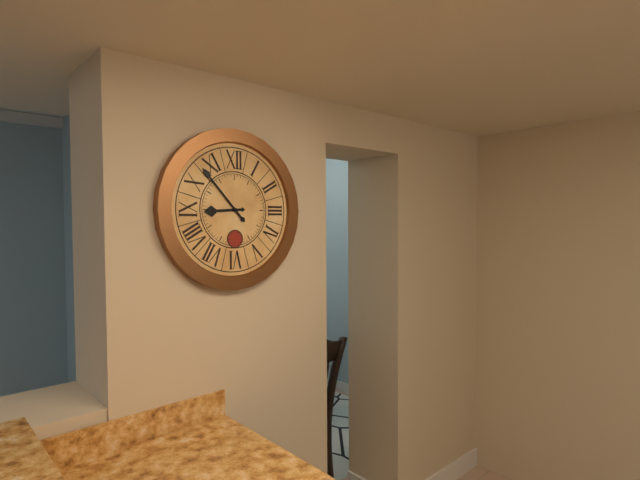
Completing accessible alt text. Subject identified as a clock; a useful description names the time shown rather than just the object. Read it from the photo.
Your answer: 8:53
